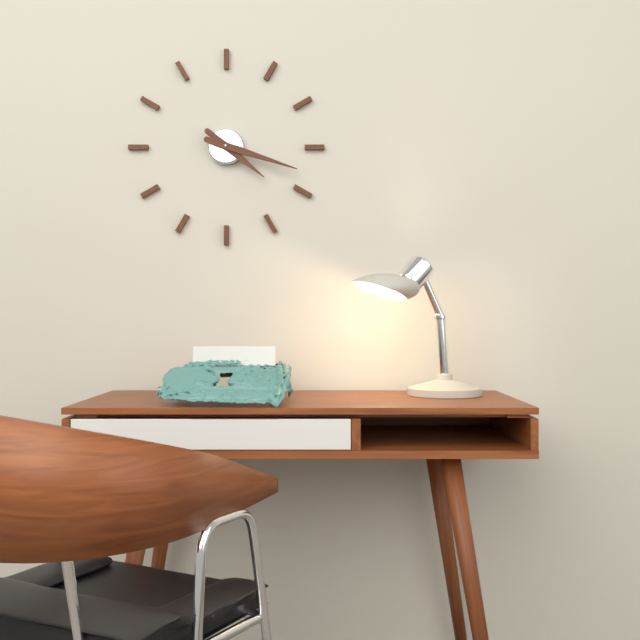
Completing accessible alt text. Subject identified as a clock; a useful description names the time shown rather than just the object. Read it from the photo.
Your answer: 4:18
